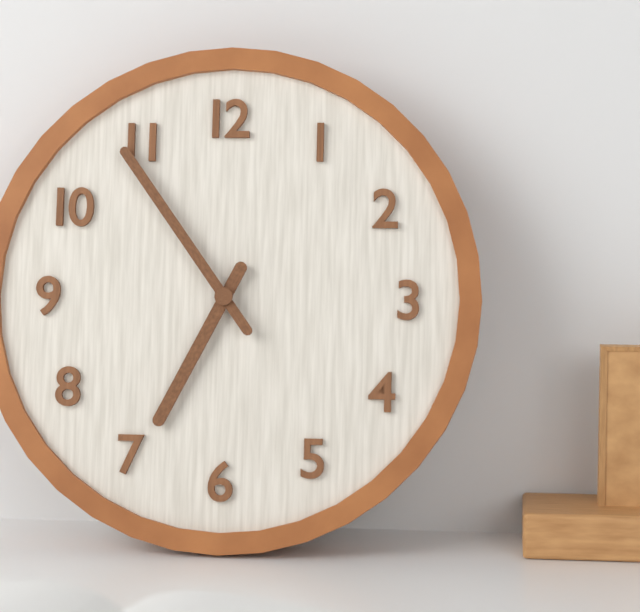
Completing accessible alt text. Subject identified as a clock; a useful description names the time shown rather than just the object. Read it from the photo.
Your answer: 6:54
